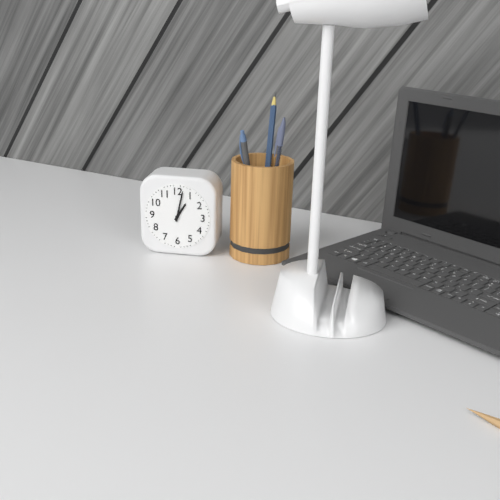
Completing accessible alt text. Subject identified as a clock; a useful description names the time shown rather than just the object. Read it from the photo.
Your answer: 1:02
